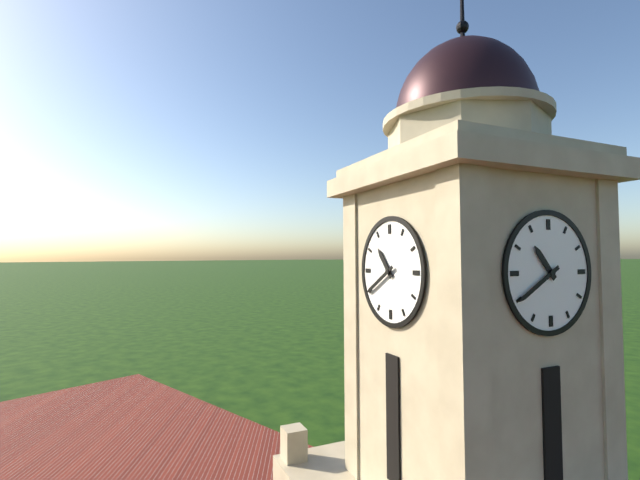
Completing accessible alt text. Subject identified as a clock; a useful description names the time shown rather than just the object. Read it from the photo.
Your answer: 10:40
